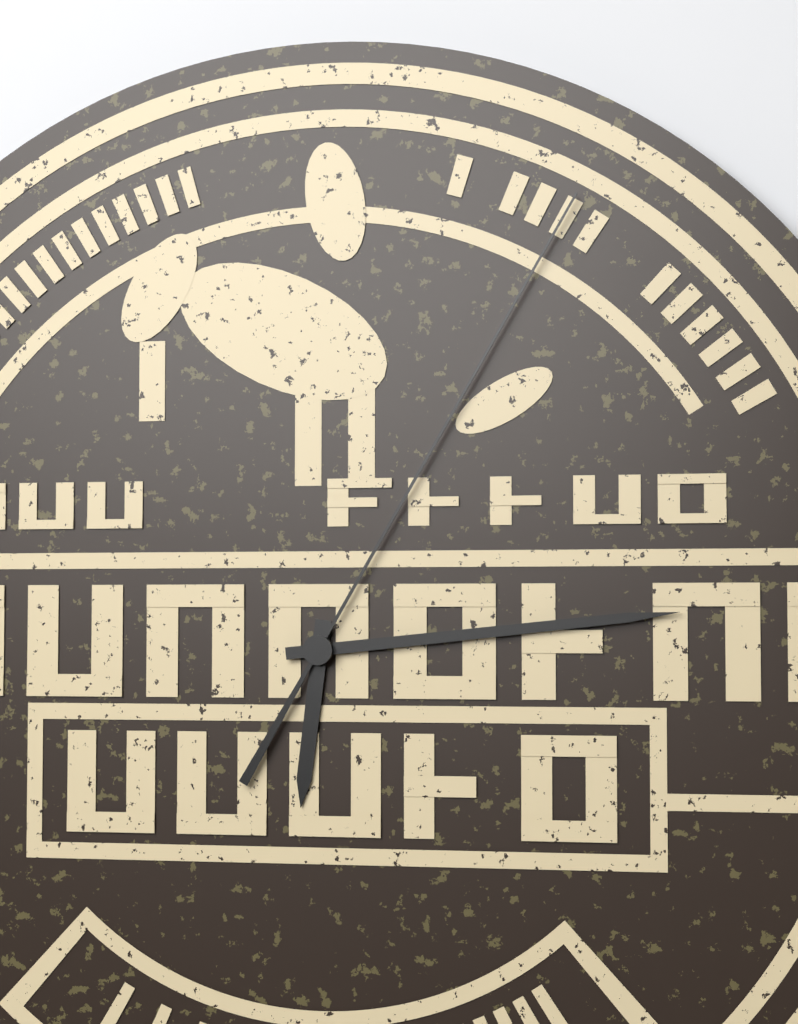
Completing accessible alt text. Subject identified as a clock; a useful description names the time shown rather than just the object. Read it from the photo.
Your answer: 6:14:05
